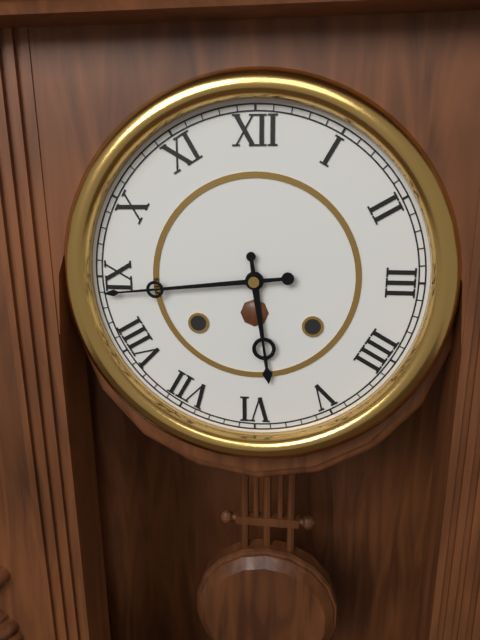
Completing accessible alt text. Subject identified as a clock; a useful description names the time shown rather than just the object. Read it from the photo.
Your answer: 5:44
